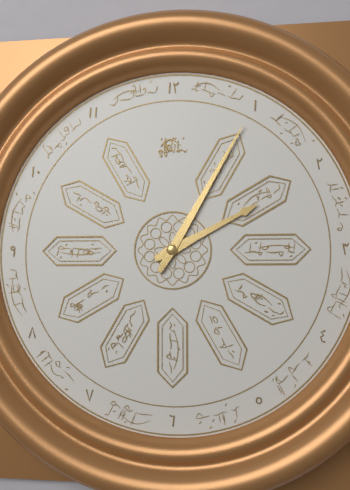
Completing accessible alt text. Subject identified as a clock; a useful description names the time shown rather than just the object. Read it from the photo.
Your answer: 2:05
